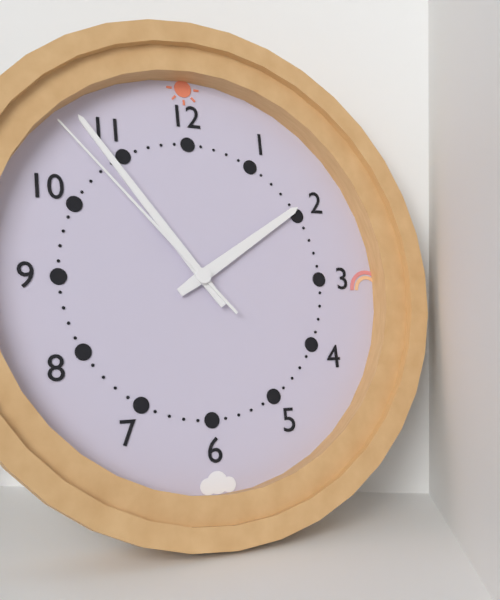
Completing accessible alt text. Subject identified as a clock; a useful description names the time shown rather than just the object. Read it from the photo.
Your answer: 1:54:53
